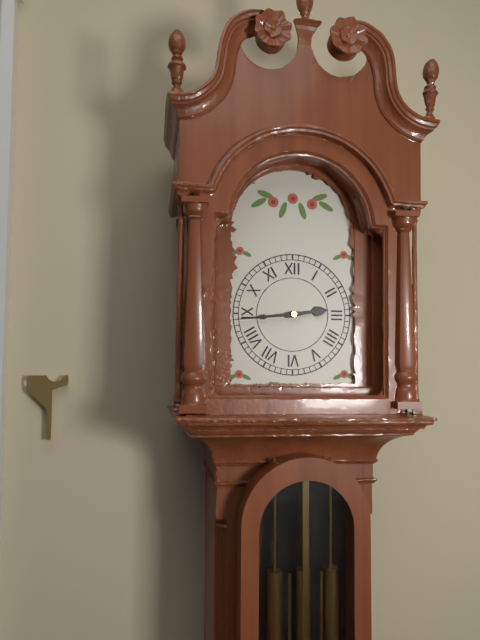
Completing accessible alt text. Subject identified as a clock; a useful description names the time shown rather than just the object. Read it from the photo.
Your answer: 2:44
